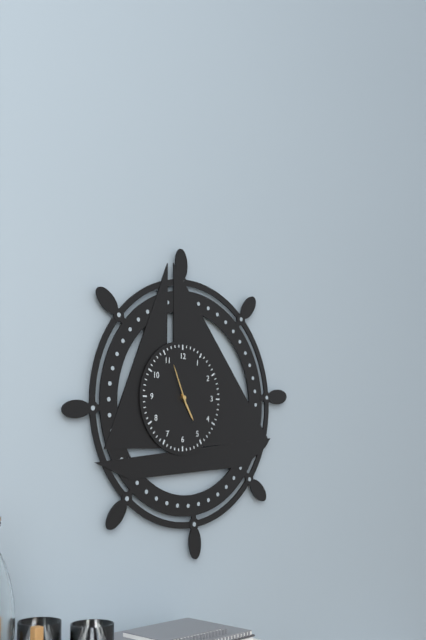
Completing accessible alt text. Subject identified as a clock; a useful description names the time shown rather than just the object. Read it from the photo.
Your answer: 4:56
